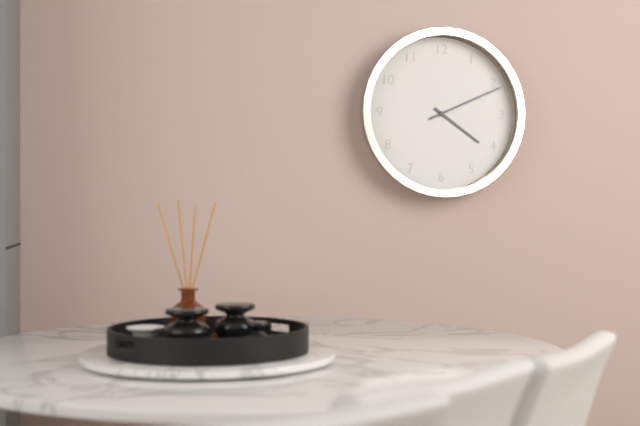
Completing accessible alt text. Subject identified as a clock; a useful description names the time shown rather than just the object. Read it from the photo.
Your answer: 4:11
